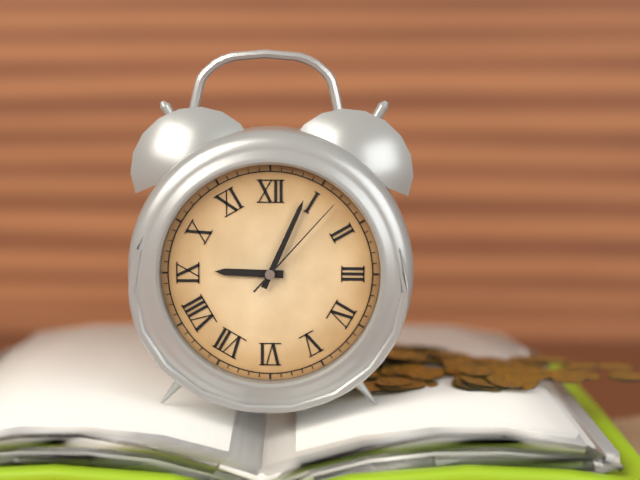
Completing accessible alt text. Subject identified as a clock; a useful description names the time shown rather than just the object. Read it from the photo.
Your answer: 9:04:07
